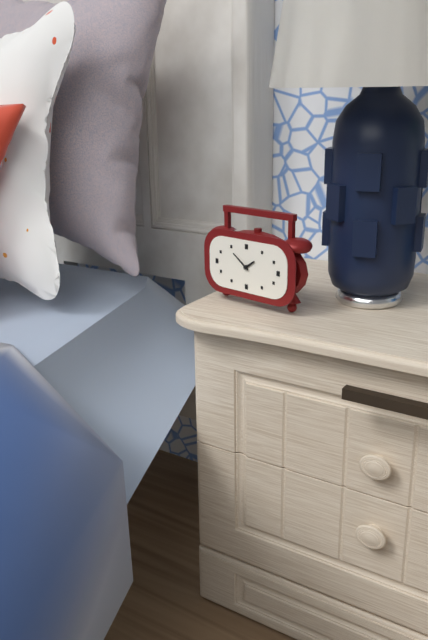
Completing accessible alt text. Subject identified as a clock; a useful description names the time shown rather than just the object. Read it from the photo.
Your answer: 1:51
